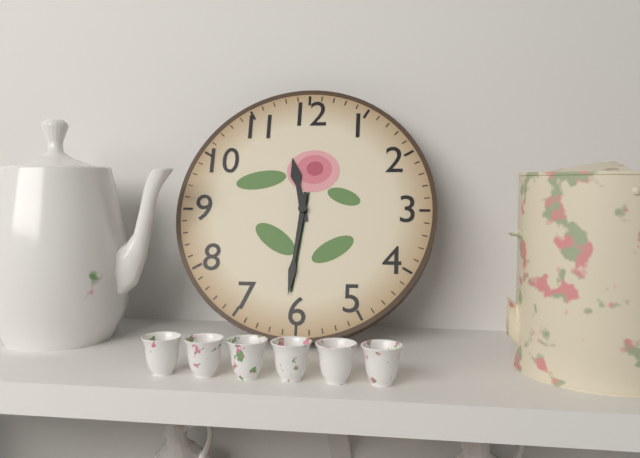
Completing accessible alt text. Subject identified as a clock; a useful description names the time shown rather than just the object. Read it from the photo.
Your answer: 11:31
